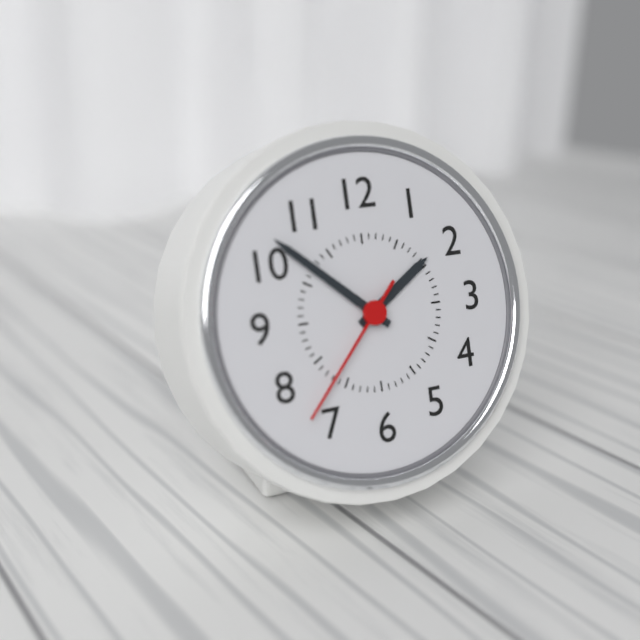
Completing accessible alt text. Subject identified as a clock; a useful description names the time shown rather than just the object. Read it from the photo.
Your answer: 1:52:37
